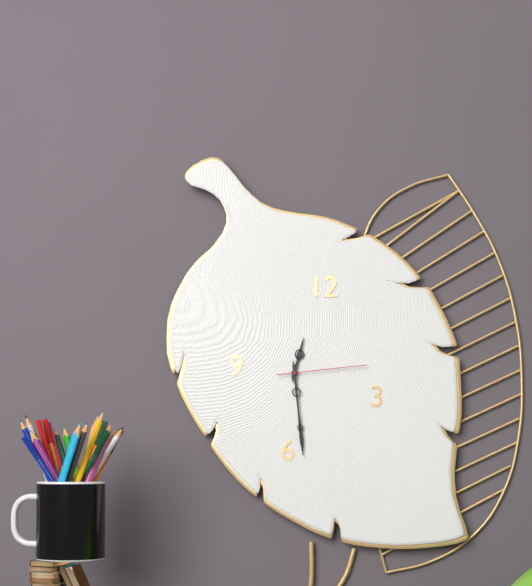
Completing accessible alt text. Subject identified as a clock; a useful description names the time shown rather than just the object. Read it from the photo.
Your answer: 12:29:14
